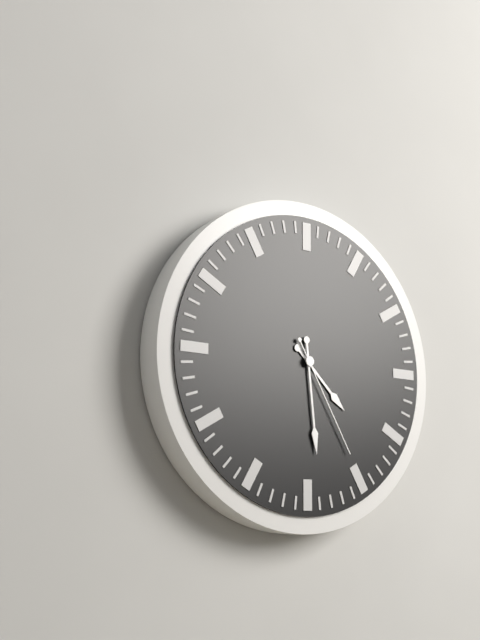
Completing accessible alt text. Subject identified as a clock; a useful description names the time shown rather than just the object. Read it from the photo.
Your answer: 4:29:25
